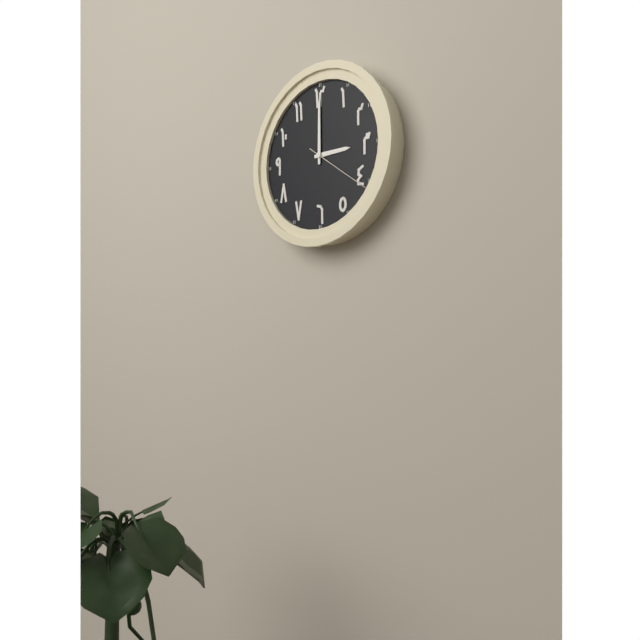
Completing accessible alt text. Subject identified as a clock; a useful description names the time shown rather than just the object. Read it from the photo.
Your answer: 3:00:21
